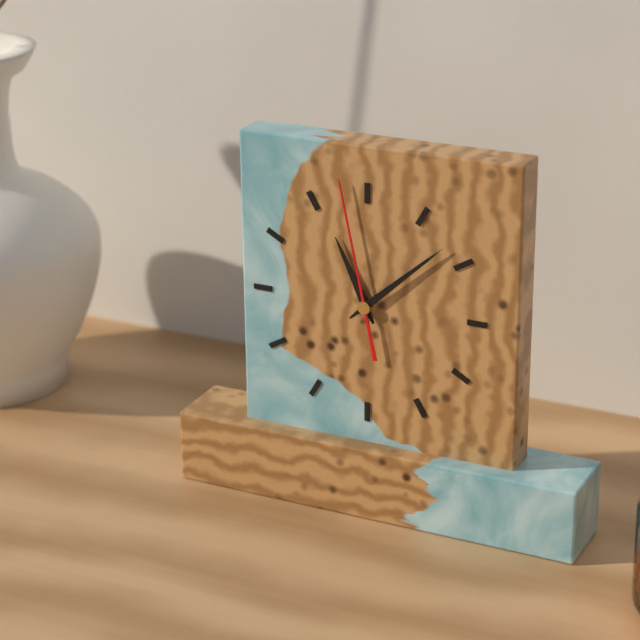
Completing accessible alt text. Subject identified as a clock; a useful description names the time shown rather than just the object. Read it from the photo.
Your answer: 11:08:58
